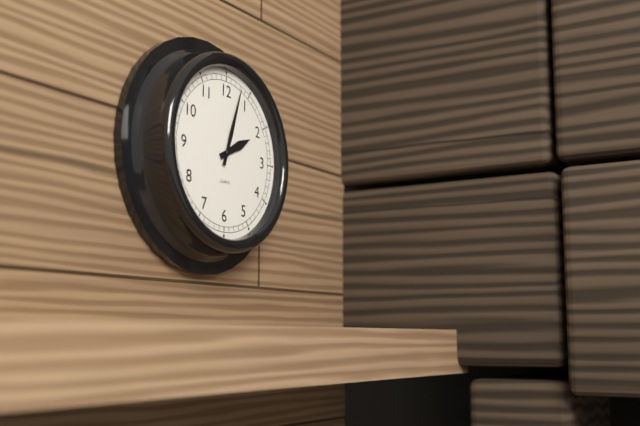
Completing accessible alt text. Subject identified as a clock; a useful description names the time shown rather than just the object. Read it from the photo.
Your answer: 2:03
